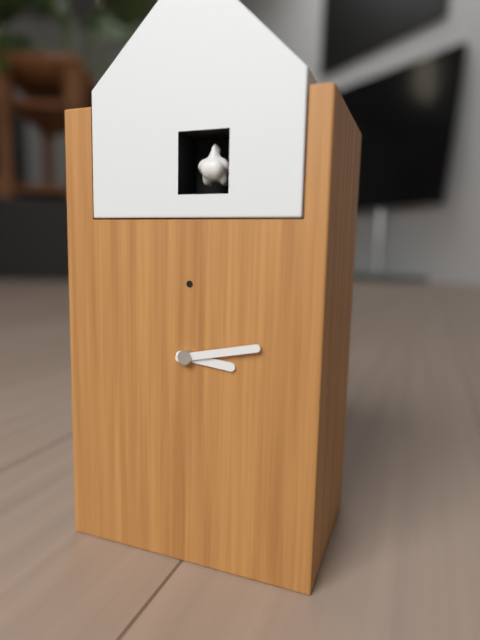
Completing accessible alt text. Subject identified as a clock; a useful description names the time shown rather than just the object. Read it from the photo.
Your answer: 3:13
